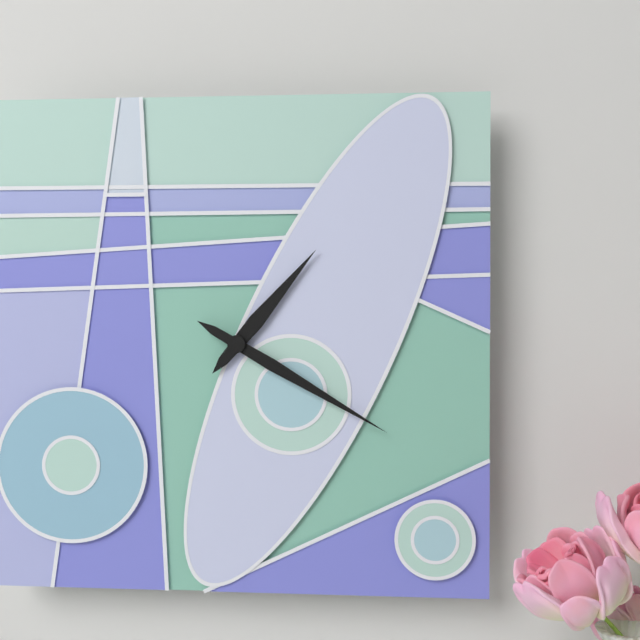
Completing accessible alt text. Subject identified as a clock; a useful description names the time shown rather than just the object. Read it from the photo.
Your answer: 1:20
